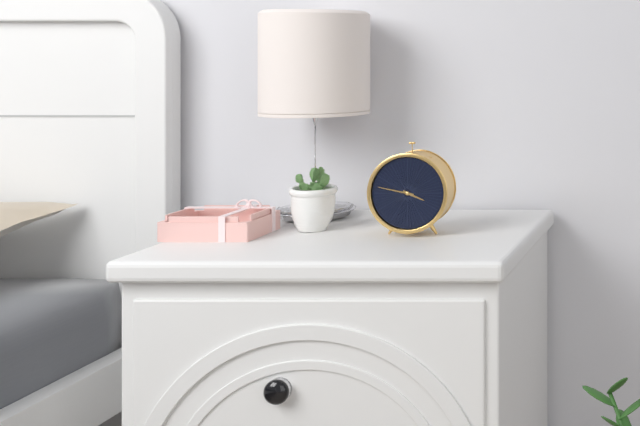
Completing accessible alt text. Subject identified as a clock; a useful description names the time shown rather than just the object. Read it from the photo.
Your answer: 3:47
